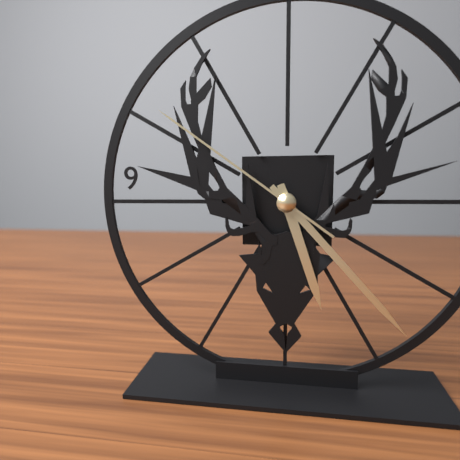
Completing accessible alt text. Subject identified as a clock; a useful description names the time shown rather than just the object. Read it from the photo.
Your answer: 5:23:51
